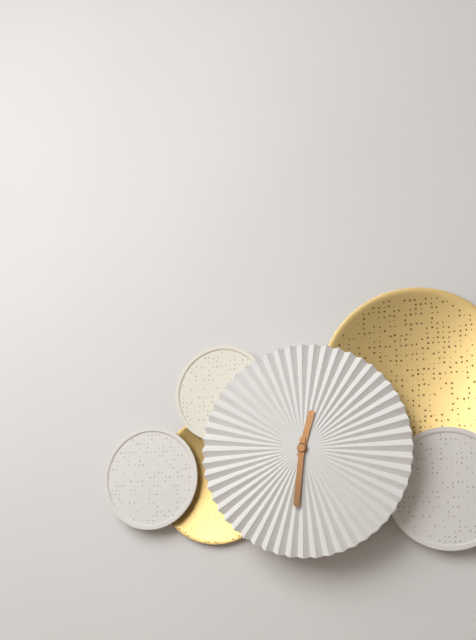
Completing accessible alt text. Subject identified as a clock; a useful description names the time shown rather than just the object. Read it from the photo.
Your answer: 12:31
